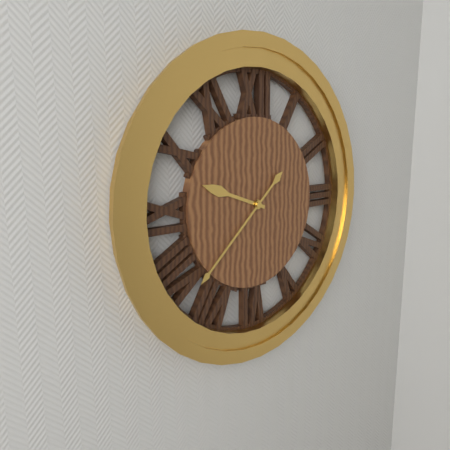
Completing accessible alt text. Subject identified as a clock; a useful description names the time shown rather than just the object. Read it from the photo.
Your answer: 9:38
